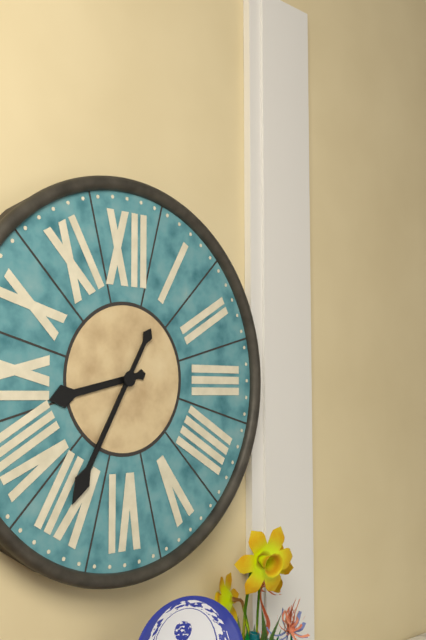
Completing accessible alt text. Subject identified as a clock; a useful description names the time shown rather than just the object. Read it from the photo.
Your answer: 8:35
